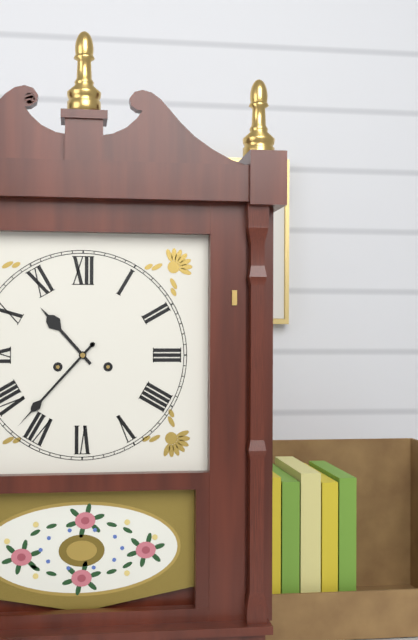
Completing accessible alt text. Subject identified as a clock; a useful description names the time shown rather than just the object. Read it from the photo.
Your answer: 10:37
